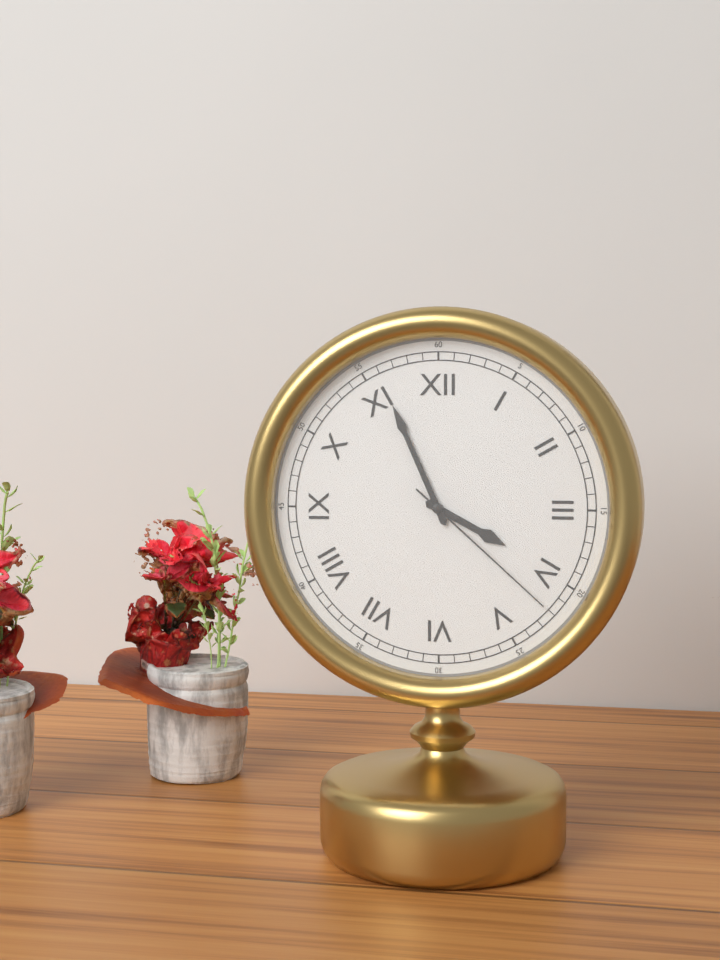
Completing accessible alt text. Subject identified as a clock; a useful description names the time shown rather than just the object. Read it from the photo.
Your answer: 3:56:22
